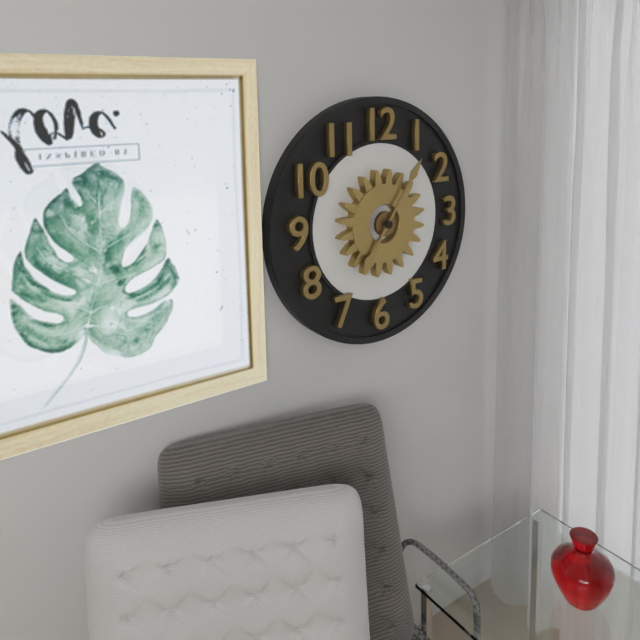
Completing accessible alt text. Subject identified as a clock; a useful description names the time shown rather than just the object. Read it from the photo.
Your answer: 7:06
